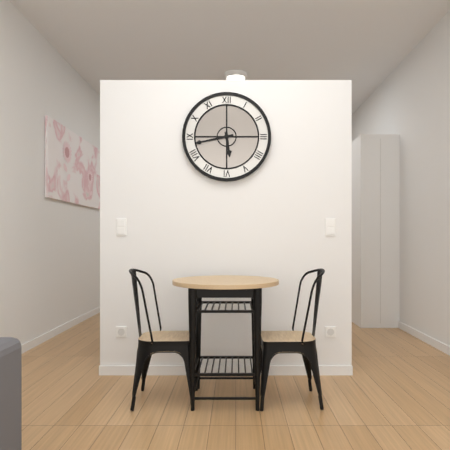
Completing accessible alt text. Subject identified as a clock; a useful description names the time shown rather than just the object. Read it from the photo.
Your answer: 5:43
